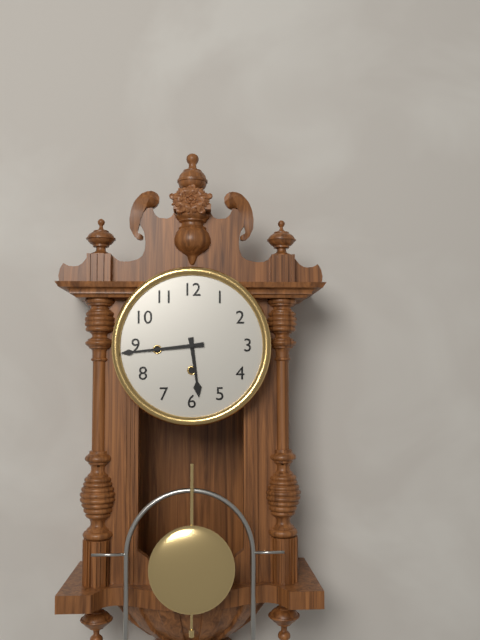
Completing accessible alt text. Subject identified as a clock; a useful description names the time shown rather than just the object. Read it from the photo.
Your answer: 5:44
